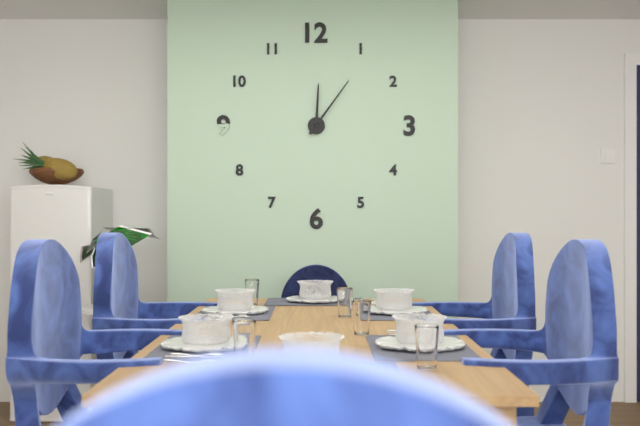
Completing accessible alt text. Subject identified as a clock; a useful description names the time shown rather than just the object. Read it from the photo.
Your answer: 12:06
